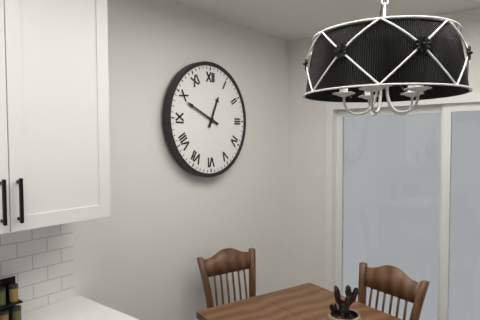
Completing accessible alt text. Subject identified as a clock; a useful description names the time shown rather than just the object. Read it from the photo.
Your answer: 12:49
